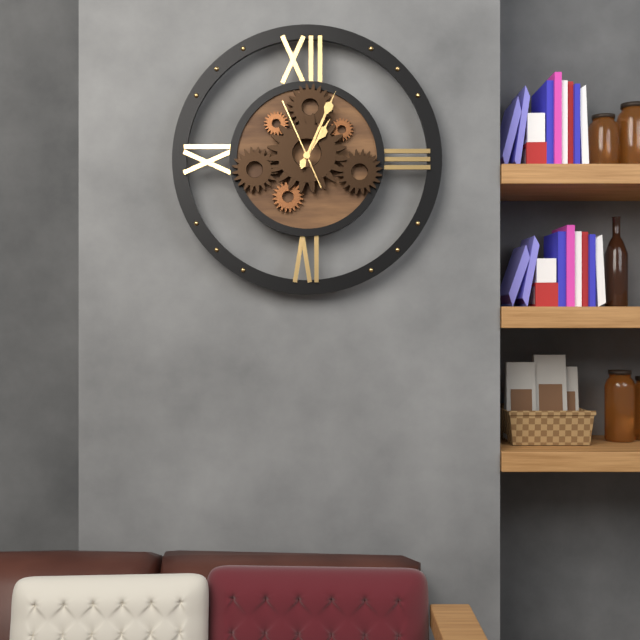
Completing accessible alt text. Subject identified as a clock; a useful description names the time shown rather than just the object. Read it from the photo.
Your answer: 1:04:56
